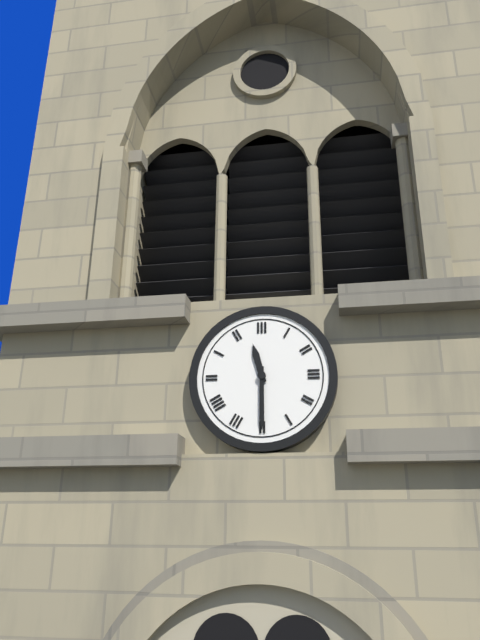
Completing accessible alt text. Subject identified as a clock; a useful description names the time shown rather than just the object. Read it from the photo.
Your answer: 11:30
